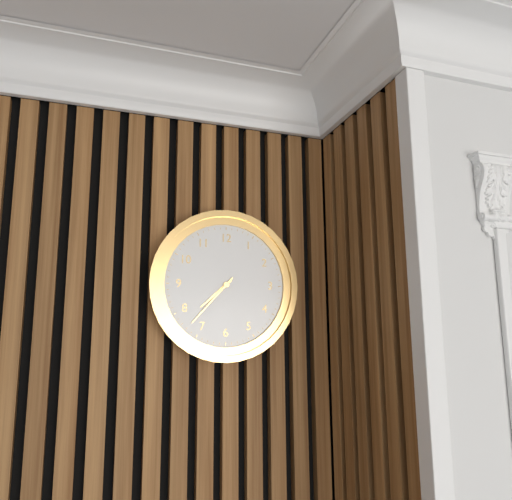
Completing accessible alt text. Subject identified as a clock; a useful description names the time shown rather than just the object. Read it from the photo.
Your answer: 7:37
